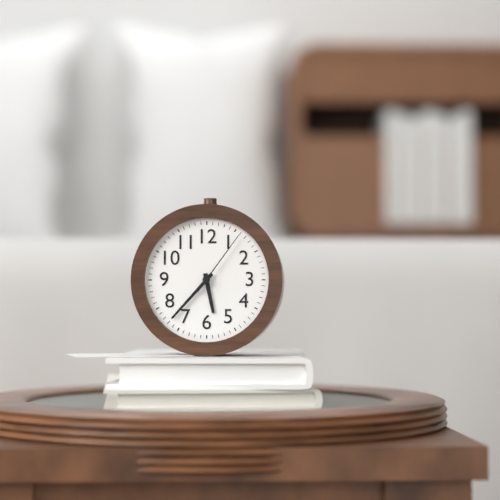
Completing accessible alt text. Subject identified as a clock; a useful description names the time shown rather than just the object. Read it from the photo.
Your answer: 5:37:06
